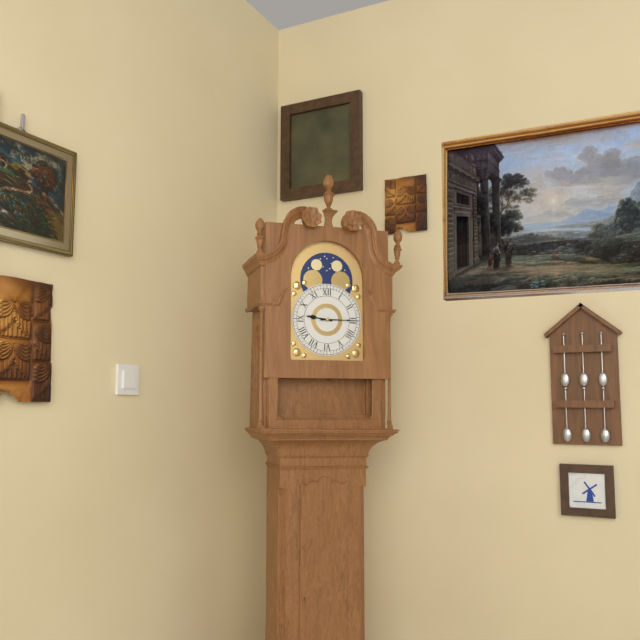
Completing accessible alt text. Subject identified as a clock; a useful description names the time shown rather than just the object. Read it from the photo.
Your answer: 9:15
